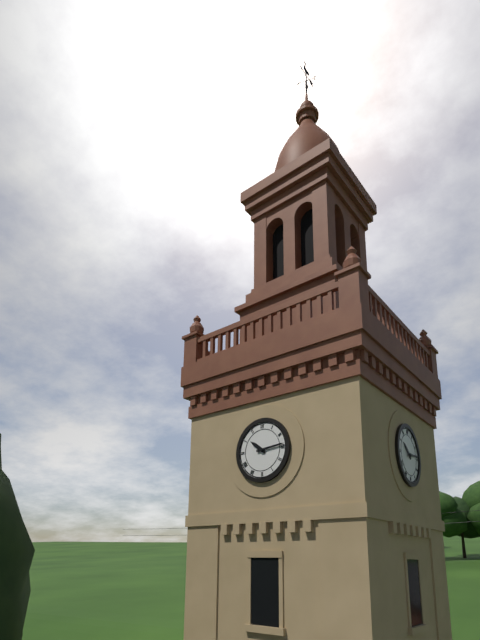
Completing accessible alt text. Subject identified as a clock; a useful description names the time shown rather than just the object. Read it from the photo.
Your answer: 10:14
